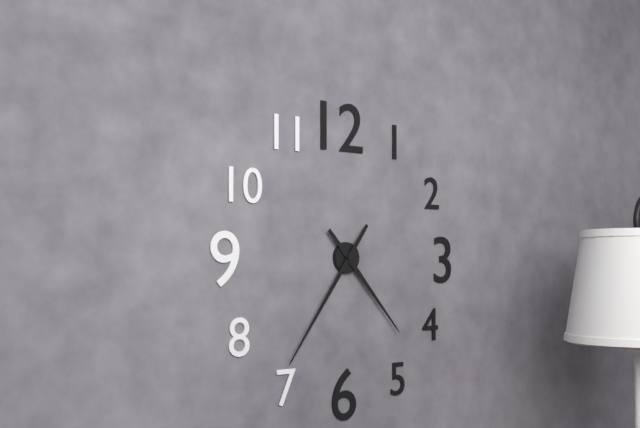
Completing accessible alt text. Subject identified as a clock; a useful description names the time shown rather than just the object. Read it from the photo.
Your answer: 4:36
